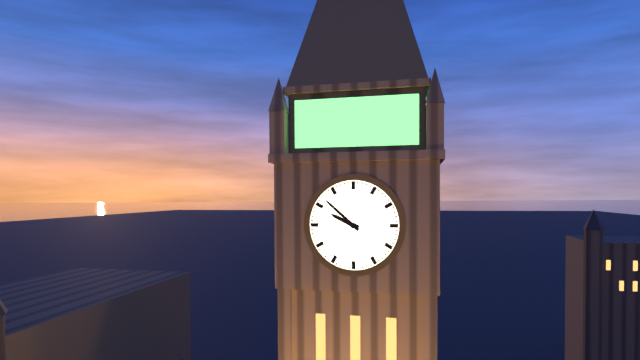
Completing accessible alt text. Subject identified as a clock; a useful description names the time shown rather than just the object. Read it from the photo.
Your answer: 9:52
